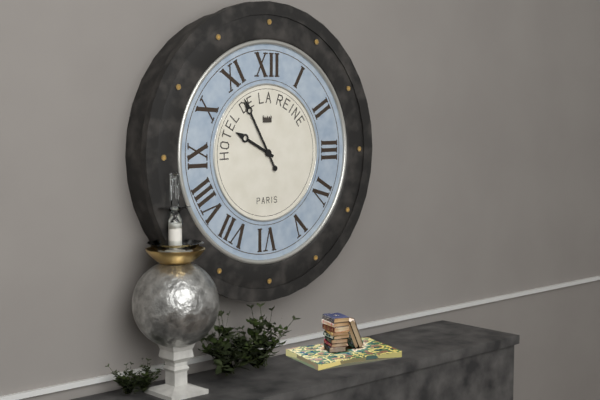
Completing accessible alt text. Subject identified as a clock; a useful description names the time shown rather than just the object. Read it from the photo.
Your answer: 9:55
